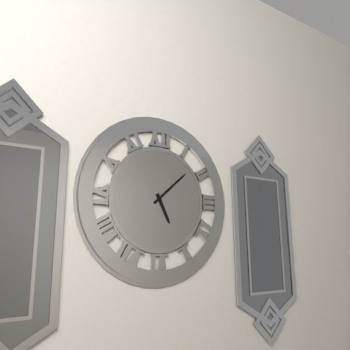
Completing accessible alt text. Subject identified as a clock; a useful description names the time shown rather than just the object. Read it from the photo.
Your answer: 5:08
